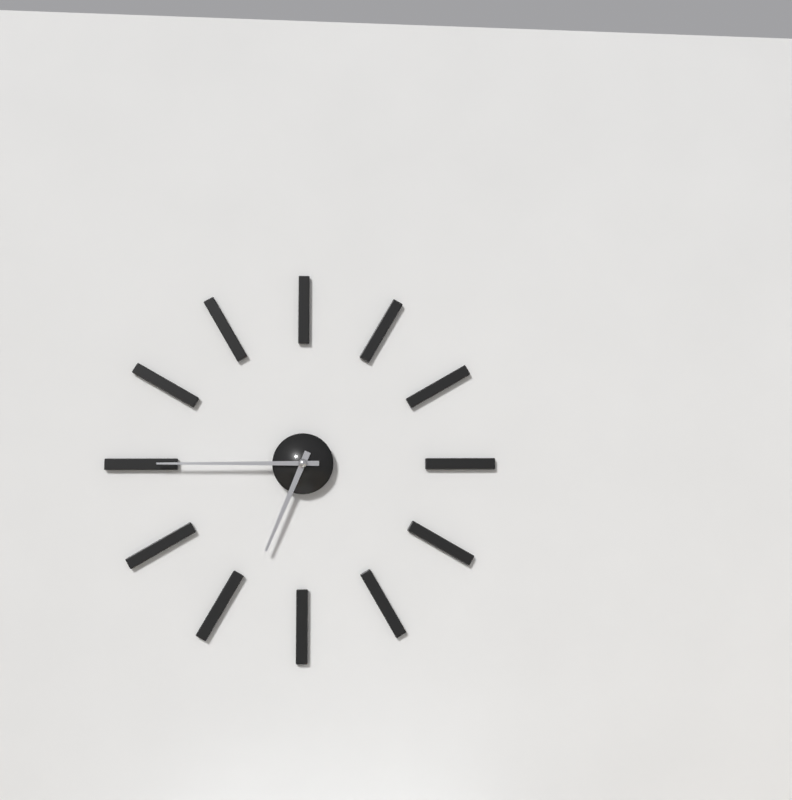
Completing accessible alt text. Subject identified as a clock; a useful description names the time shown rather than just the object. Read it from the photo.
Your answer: 6:45
